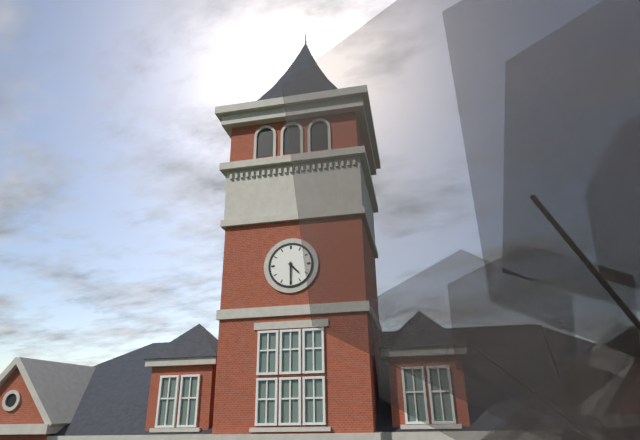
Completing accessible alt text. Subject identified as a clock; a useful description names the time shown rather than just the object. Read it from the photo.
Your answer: 4:30
